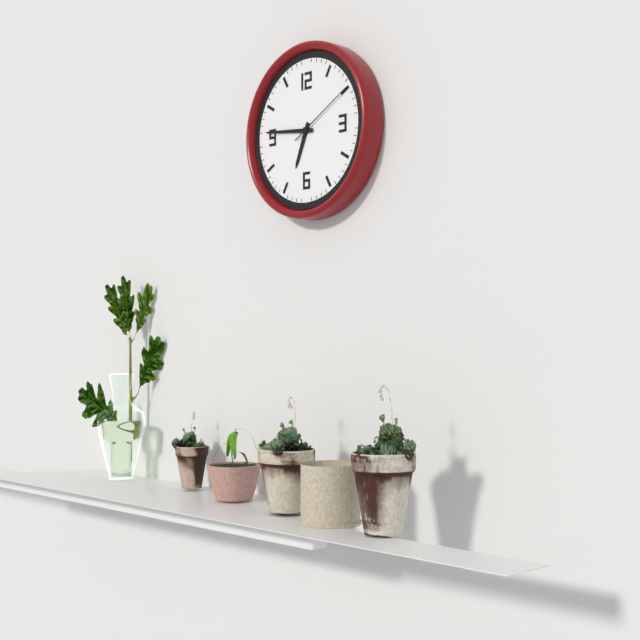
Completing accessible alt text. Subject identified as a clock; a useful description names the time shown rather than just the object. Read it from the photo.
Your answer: 6:46:10
